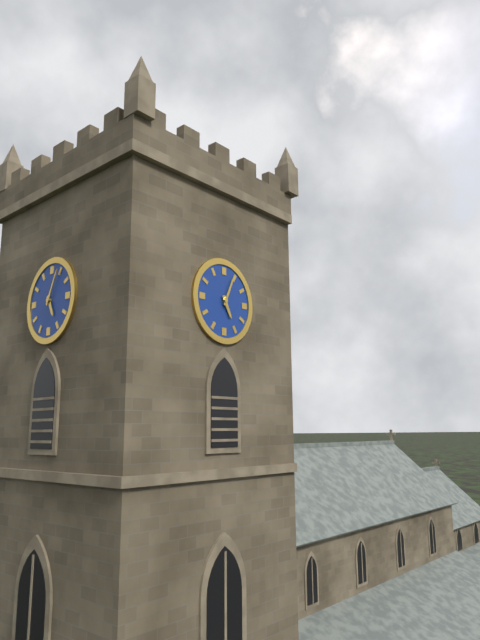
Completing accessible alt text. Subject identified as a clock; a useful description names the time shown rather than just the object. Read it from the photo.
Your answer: 5:04
